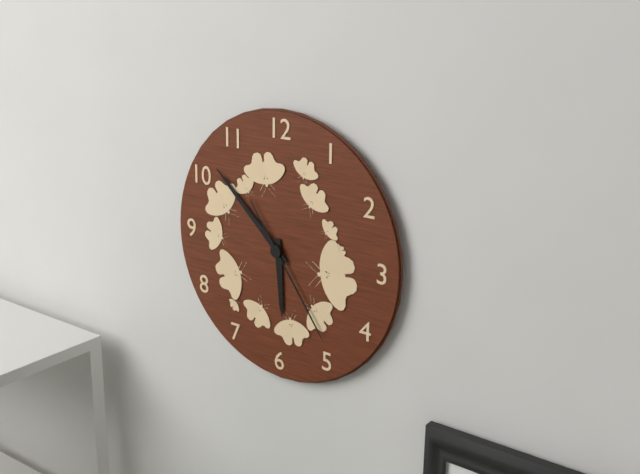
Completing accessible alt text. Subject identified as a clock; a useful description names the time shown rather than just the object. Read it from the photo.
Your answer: 5:52:24
